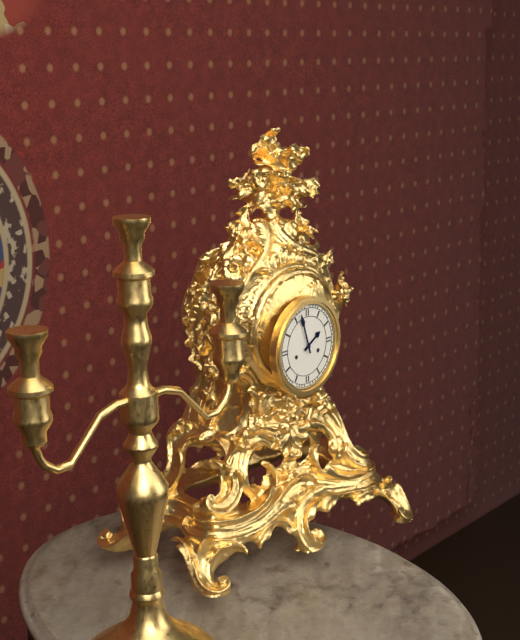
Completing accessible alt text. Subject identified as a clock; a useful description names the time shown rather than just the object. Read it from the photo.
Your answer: 1:57
